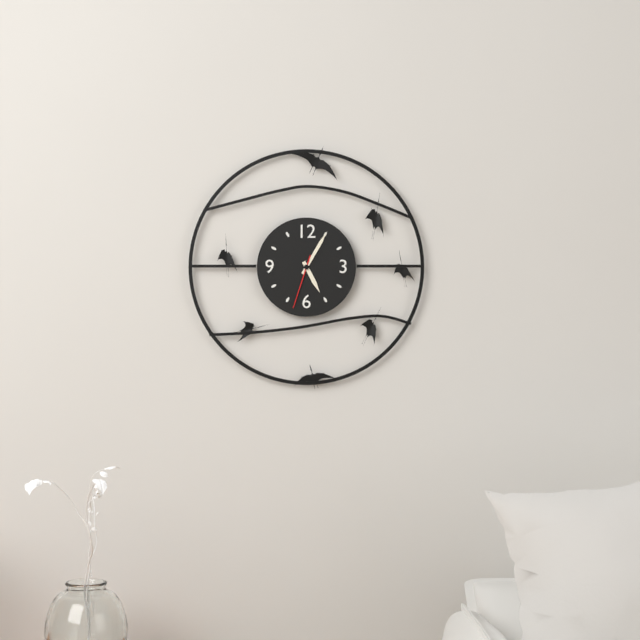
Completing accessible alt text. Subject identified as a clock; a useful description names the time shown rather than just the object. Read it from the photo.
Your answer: 5:05:33
